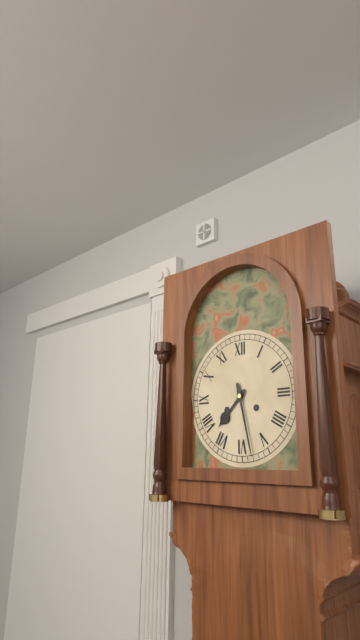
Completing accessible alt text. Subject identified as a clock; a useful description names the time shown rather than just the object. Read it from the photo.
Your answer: 7:28
